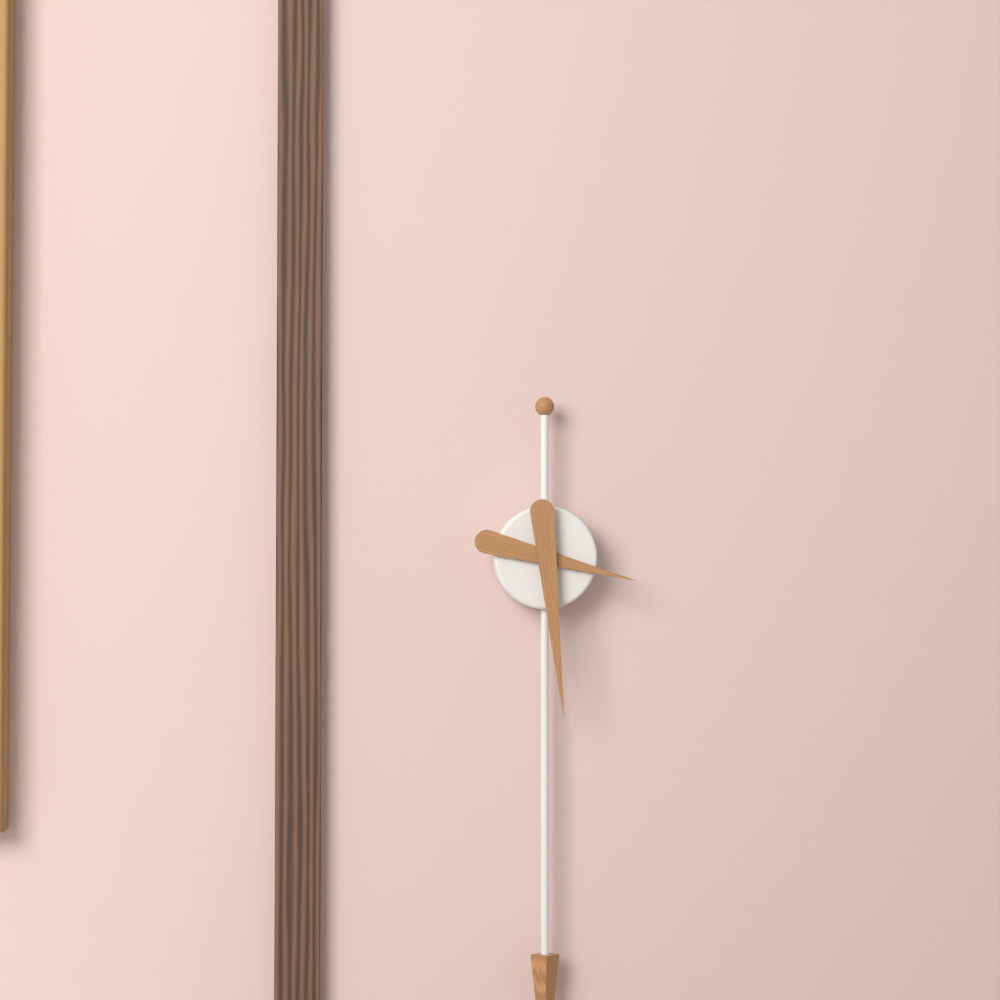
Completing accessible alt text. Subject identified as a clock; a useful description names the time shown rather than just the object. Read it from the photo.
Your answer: 3:29
